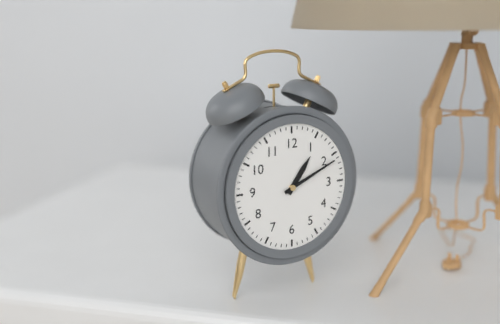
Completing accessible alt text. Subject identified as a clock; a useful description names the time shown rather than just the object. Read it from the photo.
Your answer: 1:11
